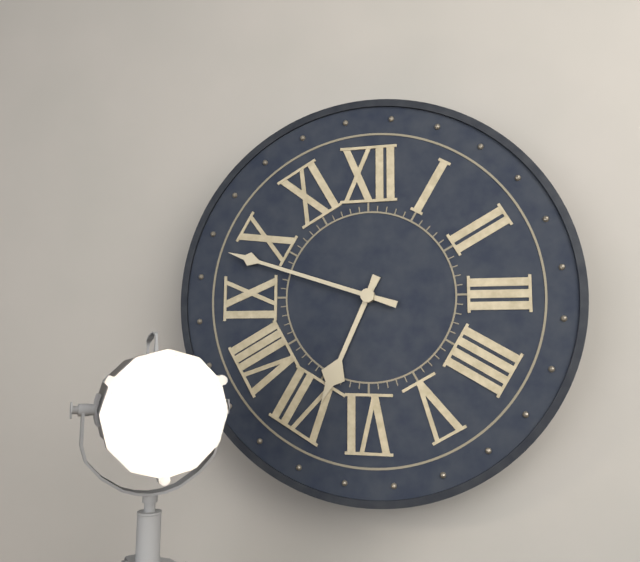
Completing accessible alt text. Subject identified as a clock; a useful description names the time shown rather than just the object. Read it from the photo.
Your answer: 6:48
